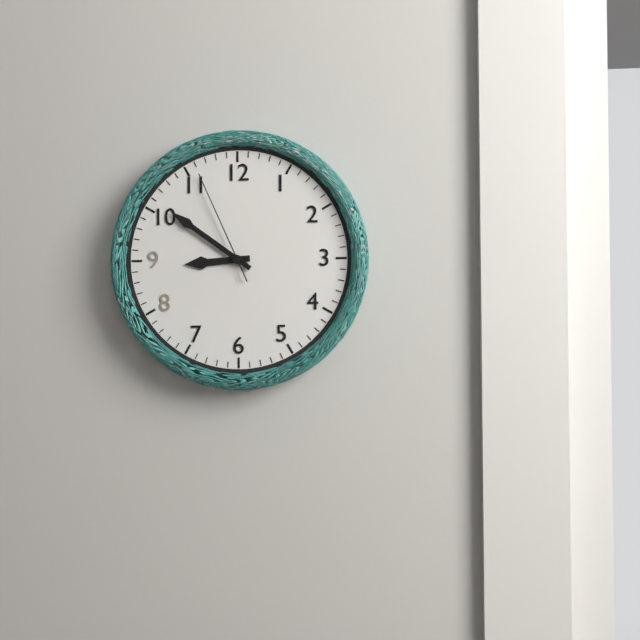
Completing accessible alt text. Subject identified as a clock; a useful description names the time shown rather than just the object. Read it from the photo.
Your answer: 8:51:56
